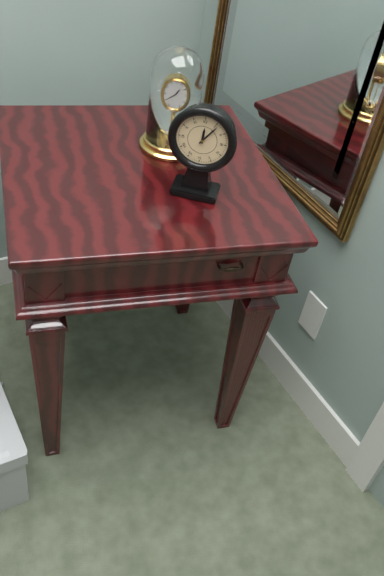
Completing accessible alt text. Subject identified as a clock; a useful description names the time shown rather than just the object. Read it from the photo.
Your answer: 12:06
